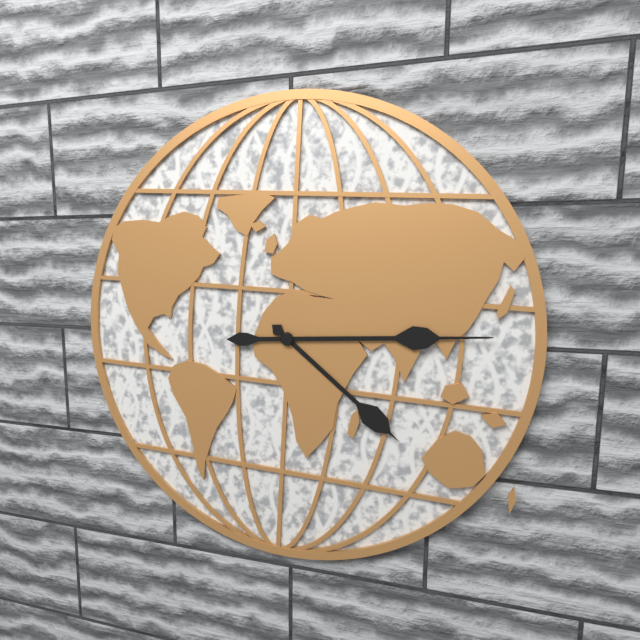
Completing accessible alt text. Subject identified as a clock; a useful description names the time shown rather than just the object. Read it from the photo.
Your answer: 4:14
